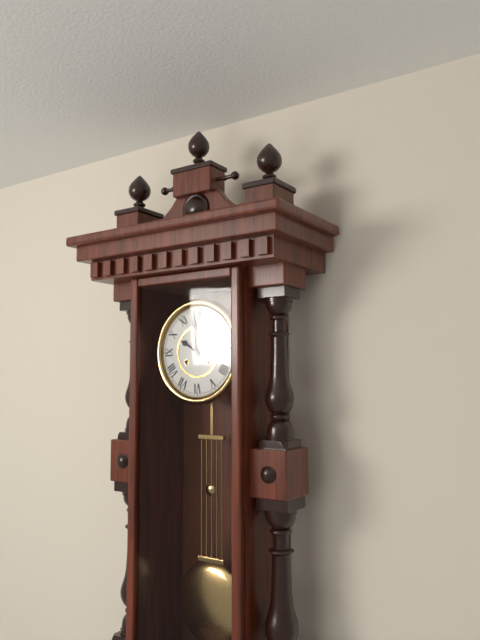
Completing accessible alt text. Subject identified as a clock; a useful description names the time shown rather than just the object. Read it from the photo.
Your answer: 9:59
